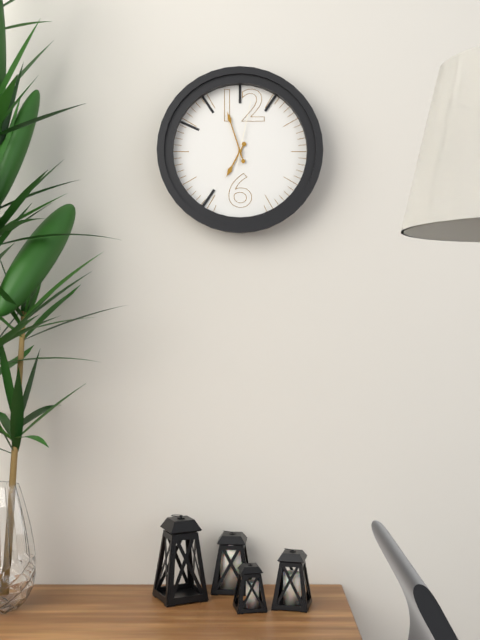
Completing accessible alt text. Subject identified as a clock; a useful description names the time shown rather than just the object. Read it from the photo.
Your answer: 6:57:02
